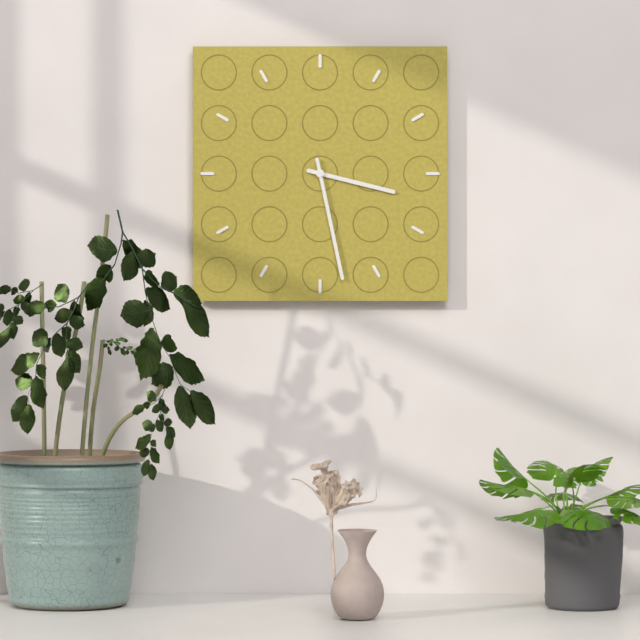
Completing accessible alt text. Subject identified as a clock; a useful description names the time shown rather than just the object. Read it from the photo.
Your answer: 3:28
